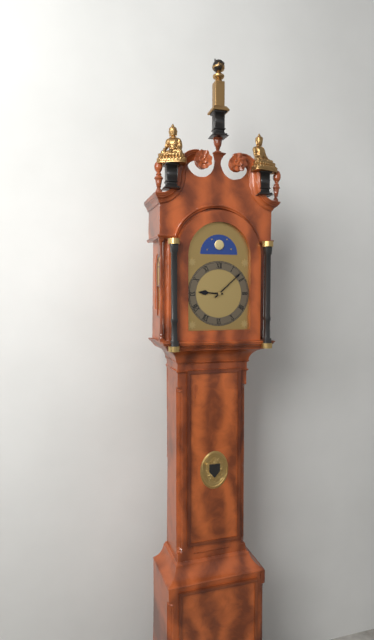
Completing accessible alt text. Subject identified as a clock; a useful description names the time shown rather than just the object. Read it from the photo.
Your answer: 9:08
